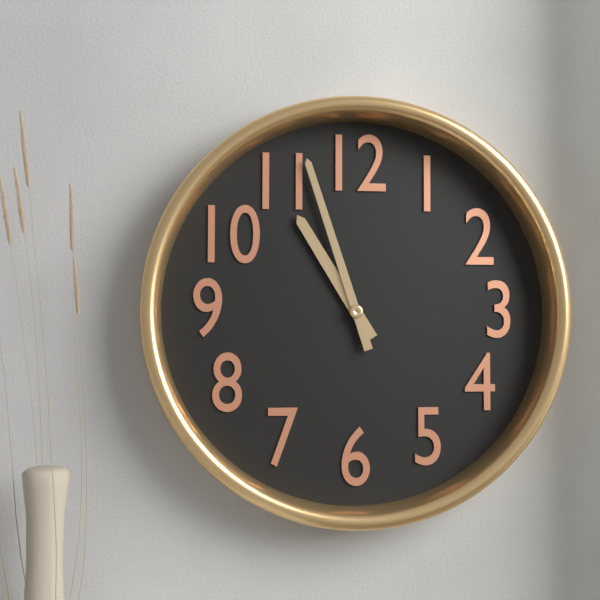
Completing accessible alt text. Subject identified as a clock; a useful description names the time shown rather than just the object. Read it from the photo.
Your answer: 10:57
